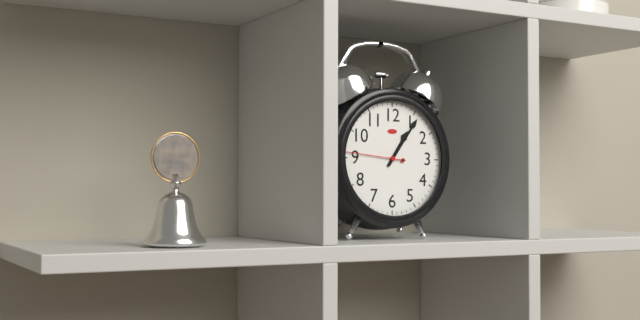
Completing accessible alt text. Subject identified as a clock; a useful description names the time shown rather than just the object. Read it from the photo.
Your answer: 1:06:46
